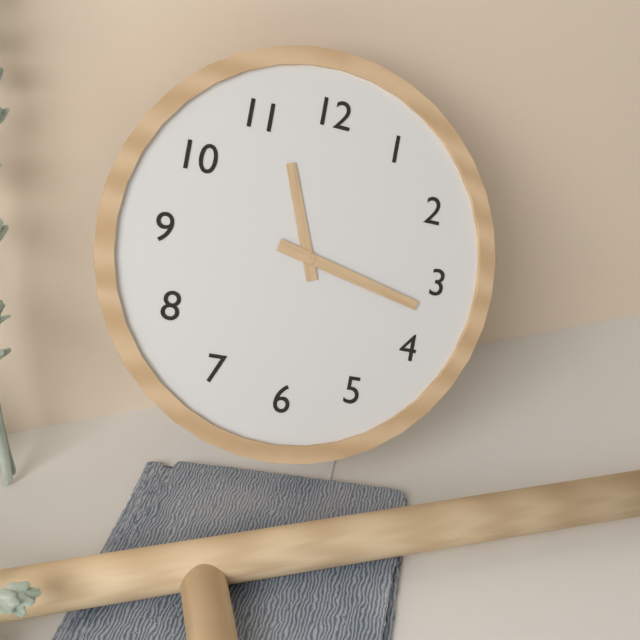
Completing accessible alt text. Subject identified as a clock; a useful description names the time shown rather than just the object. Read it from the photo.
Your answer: 11:17
